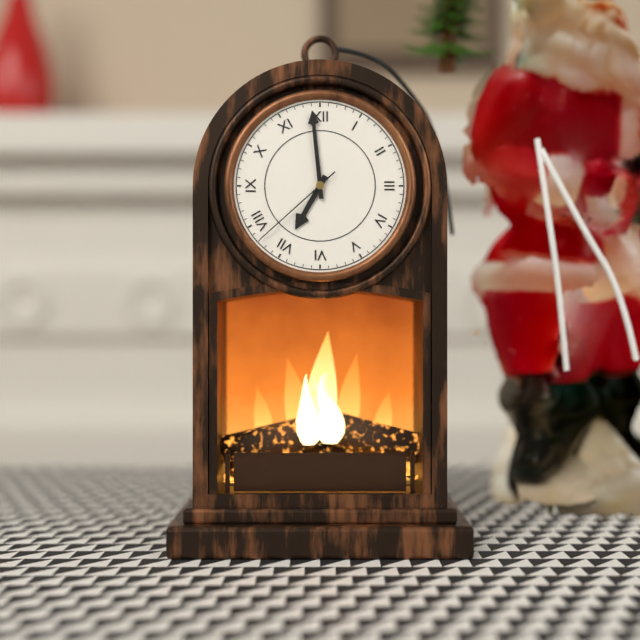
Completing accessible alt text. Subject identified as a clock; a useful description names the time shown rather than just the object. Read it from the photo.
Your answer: 6:59:38
